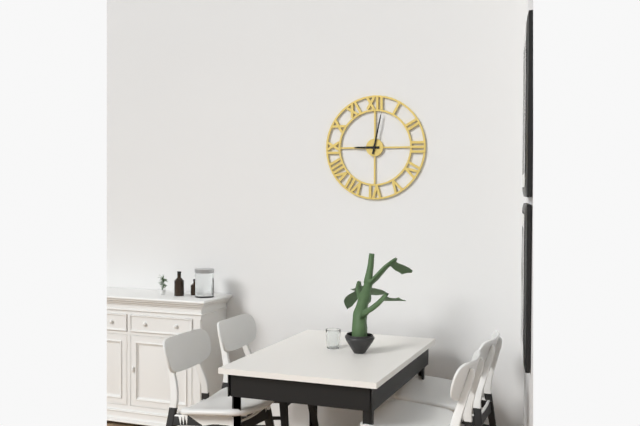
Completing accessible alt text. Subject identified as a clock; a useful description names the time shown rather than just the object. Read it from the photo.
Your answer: 9:02
